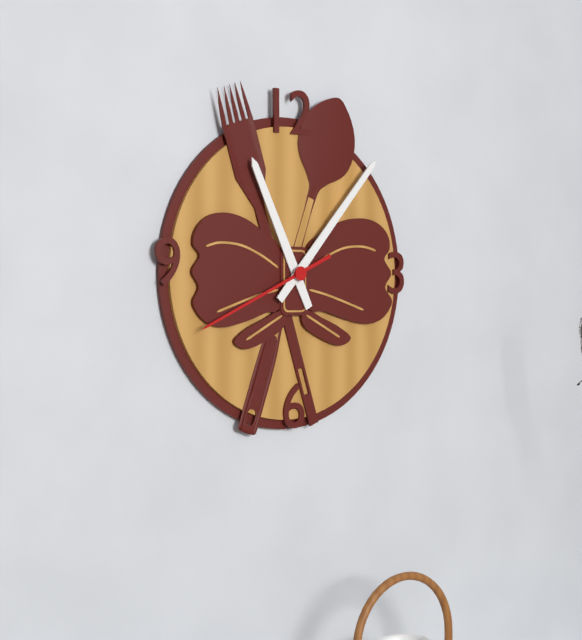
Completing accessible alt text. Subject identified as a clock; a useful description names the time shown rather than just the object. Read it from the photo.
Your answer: 11:07:41
